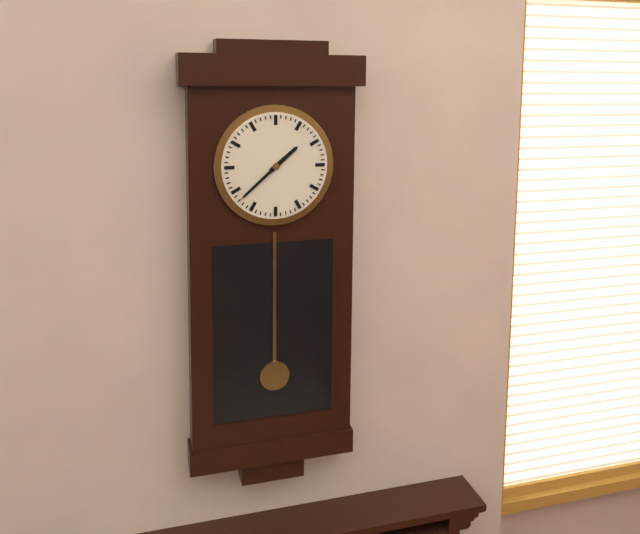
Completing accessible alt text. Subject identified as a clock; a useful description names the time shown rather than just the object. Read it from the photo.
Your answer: 1:38
